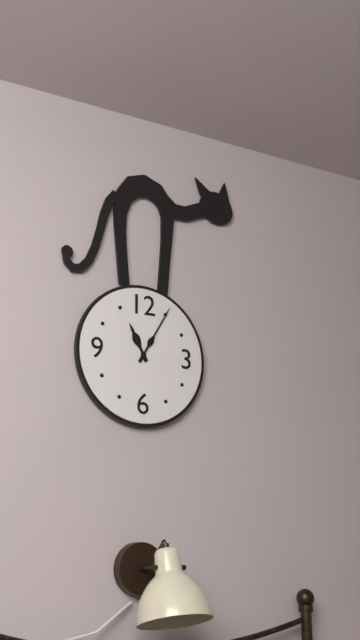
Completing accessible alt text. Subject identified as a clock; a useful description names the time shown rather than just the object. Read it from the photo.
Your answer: 11:05
